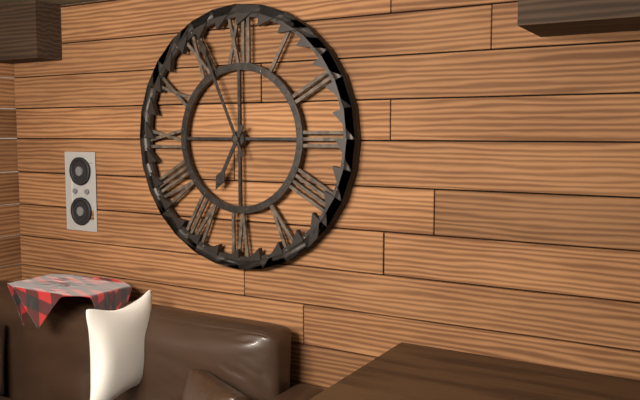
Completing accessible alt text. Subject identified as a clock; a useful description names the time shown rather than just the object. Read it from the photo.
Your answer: 6:56
